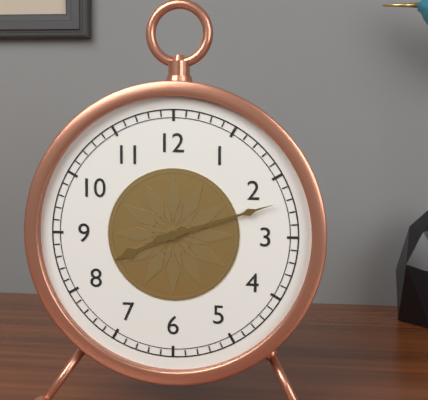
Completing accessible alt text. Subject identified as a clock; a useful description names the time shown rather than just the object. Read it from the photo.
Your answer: 8:12
